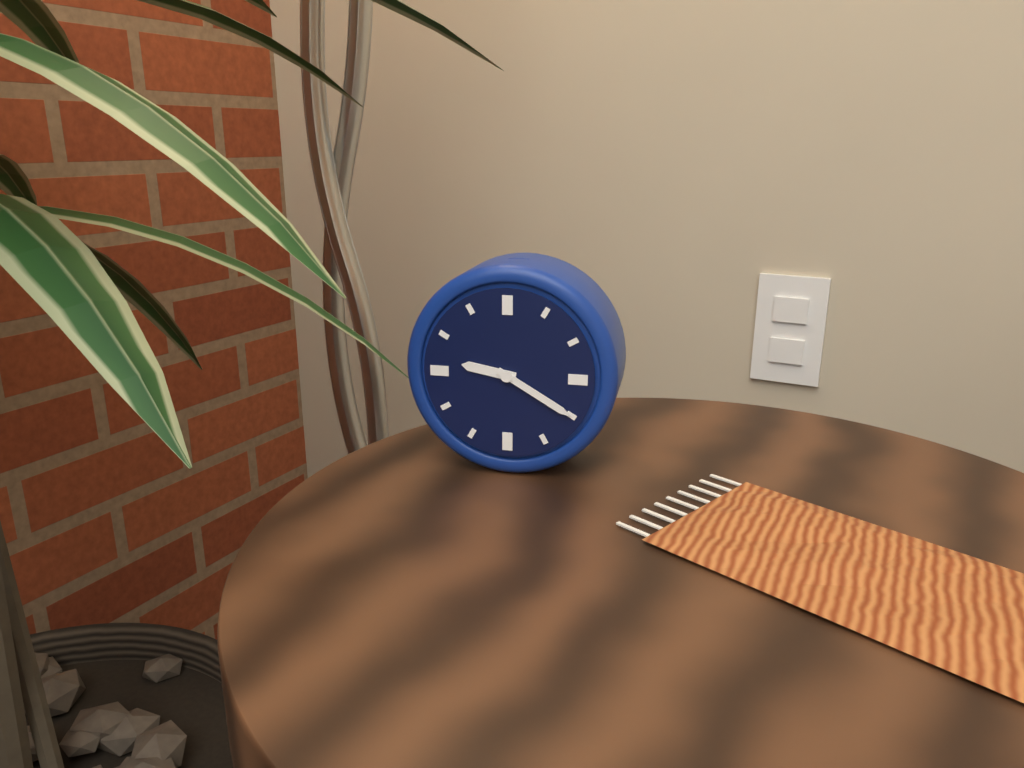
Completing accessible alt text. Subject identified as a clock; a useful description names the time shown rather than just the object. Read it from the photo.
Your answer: 9:20
